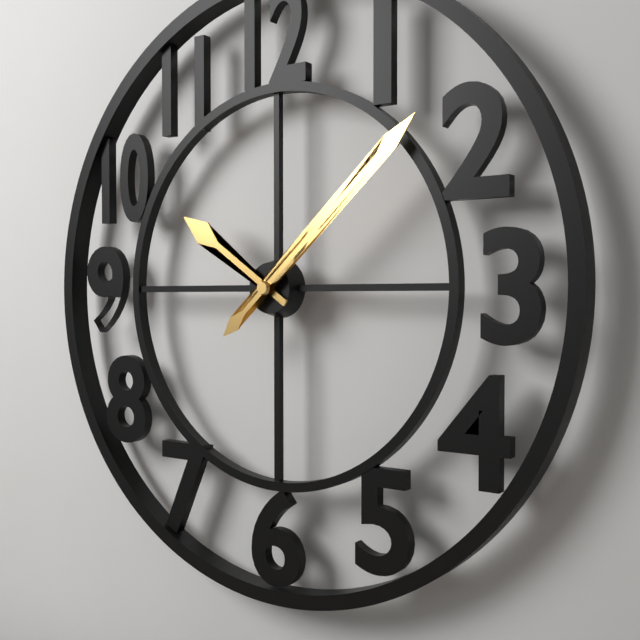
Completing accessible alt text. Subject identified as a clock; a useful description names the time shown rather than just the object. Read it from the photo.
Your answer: 10:08
